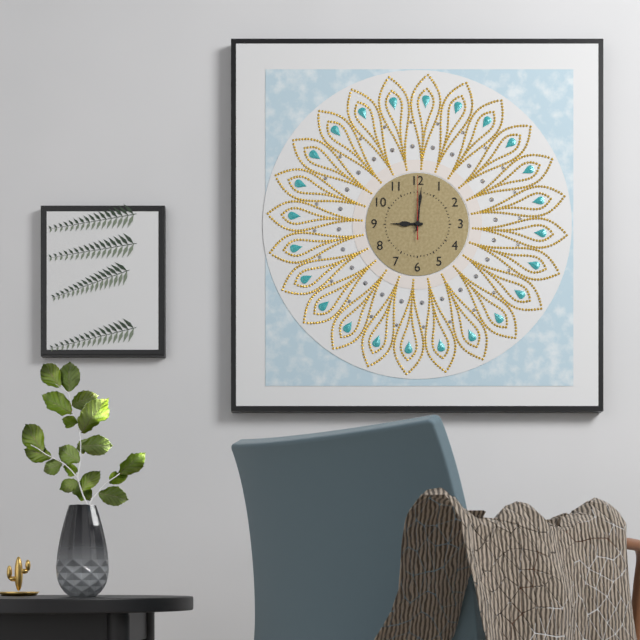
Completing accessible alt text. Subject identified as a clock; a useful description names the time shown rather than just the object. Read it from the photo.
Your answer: 9:01:00
